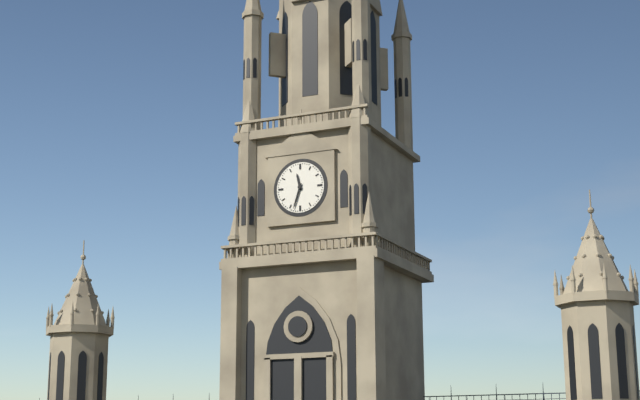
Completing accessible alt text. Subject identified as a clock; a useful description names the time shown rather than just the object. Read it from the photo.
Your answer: 11:33
